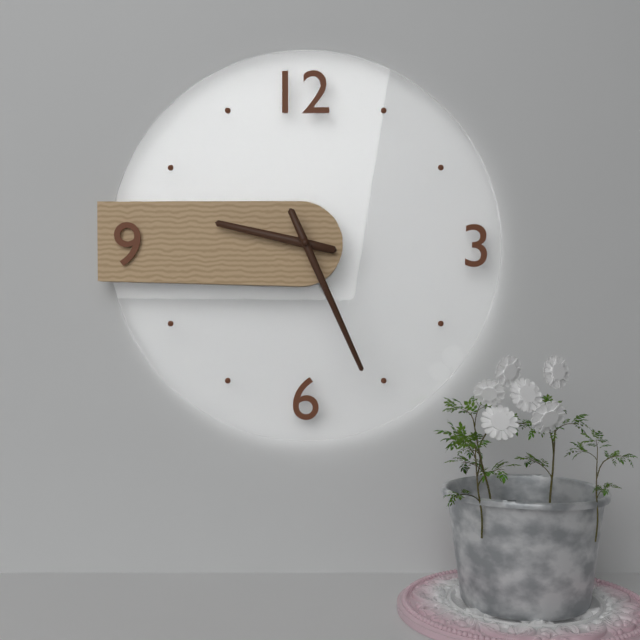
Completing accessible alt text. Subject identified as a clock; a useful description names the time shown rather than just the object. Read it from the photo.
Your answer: 9:26
